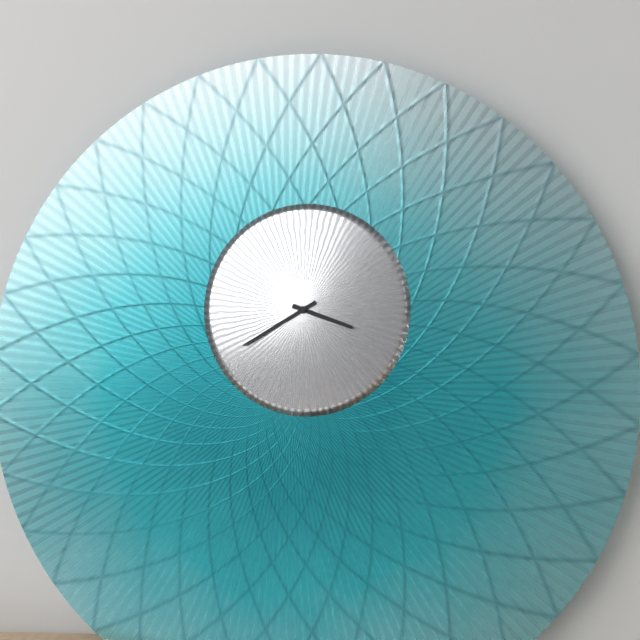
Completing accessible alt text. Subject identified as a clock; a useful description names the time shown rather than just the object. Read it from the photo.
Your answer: 3:40
